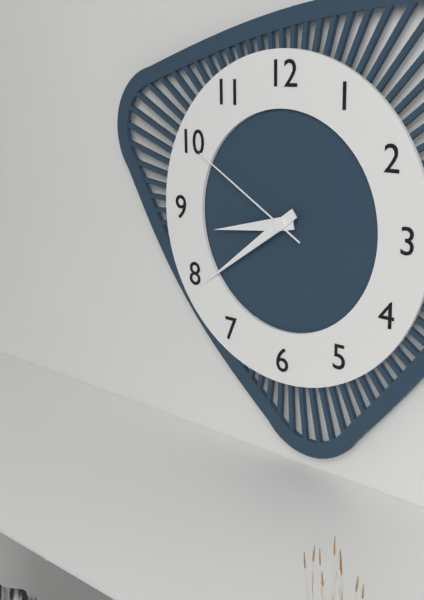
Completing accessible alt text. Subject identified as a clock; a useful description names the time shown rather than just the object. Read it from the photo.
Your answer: 8:39:50
